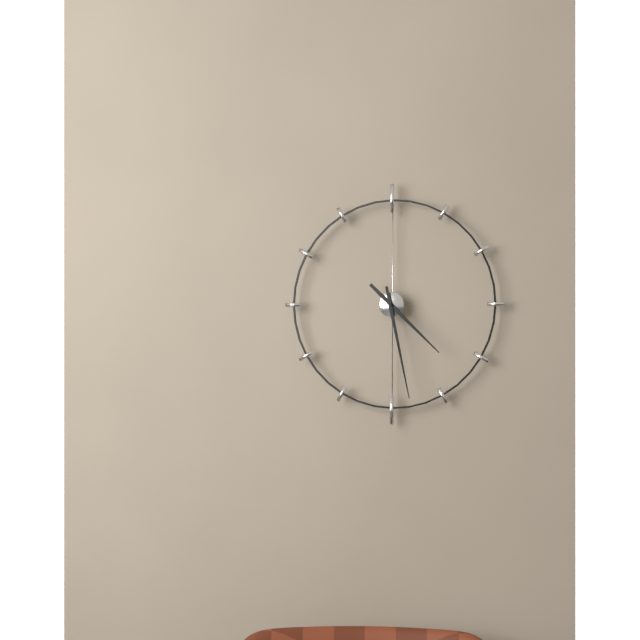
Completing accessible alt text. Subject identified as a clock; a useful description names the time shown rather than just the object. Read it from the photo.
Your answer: 4:28
